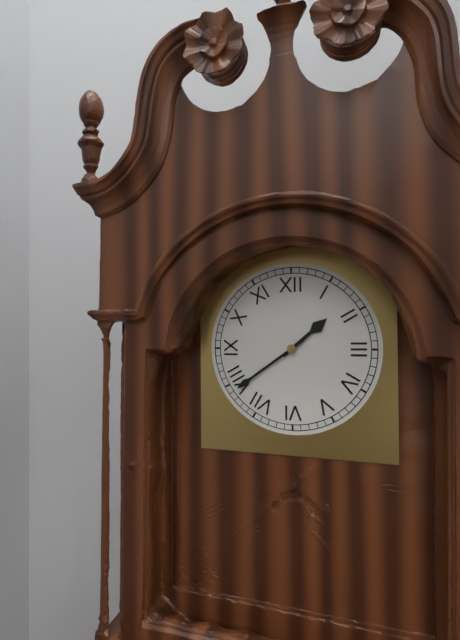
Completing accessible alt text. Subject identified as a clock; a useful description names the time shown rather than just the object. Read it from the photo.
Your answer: 1:39
